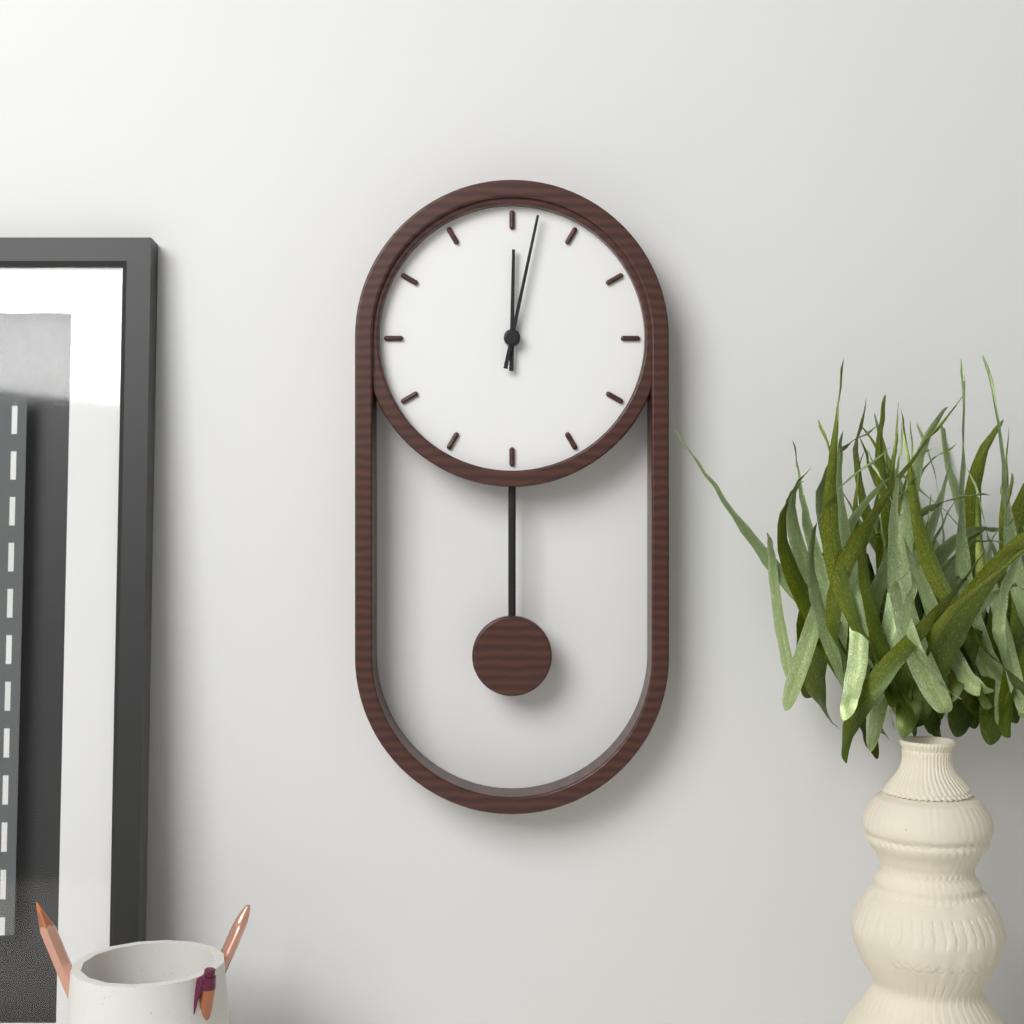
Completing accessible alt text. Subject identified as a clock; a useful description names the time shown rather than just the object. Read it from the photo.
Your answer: 12:02
